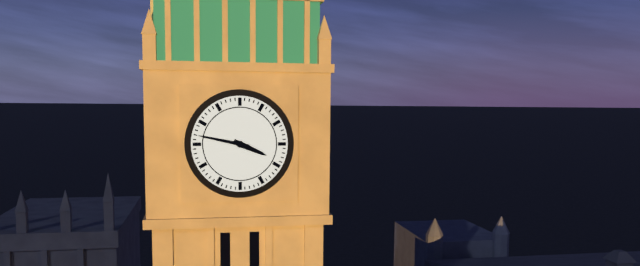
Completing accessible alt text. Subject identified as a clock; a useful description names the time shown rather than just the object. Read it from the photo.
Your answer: 3:47
